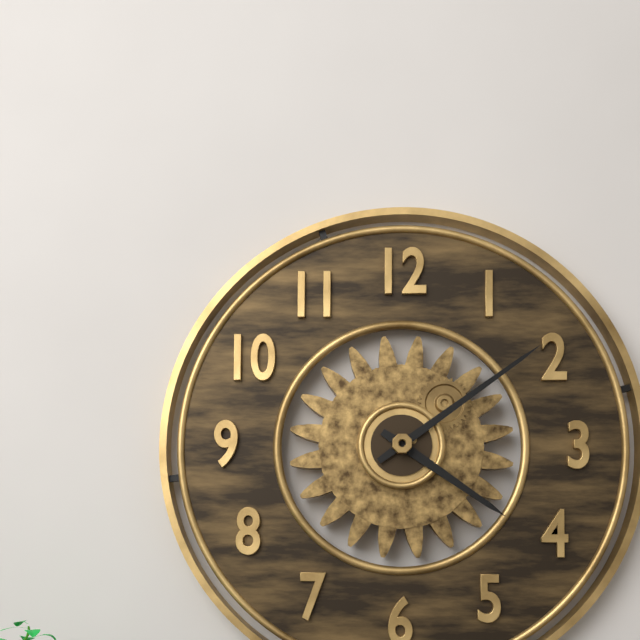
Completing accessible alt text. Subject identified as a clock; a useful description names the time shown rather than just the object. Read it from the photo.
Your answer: 4:09
